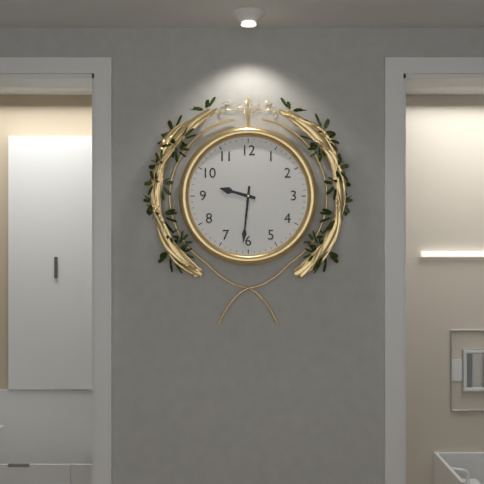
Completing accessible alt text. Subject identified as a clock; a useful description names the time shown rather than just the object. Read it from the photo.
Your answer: 9:31
